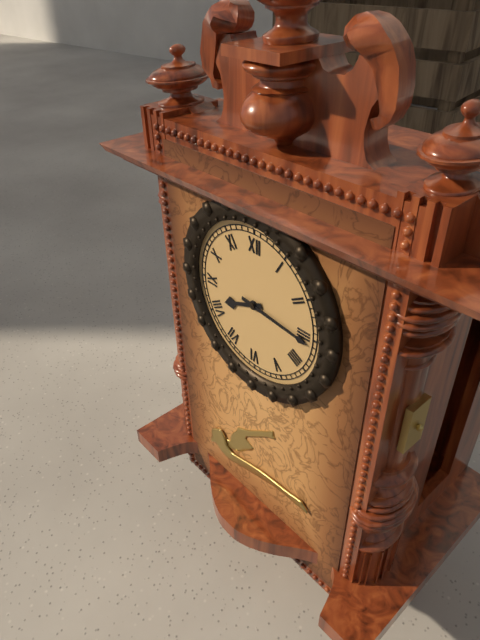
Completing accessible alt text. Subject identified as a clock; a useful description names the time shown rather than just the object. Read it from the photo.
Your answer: 8:16
